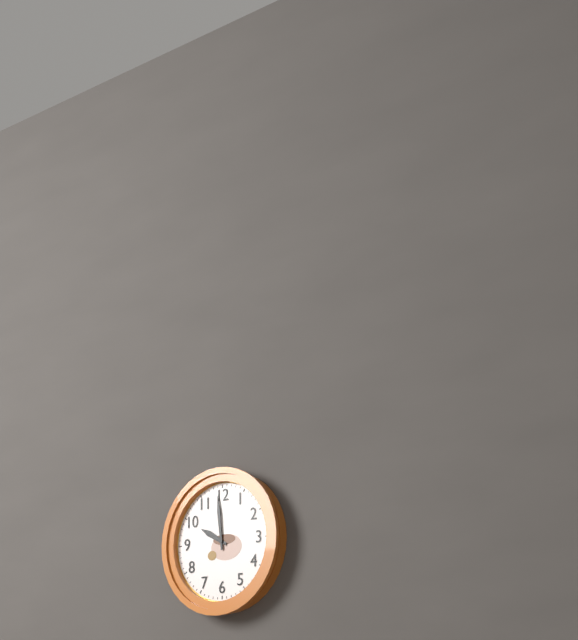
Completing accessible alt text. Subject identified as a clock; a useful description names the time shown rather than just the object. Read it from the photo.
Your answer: 9:59
